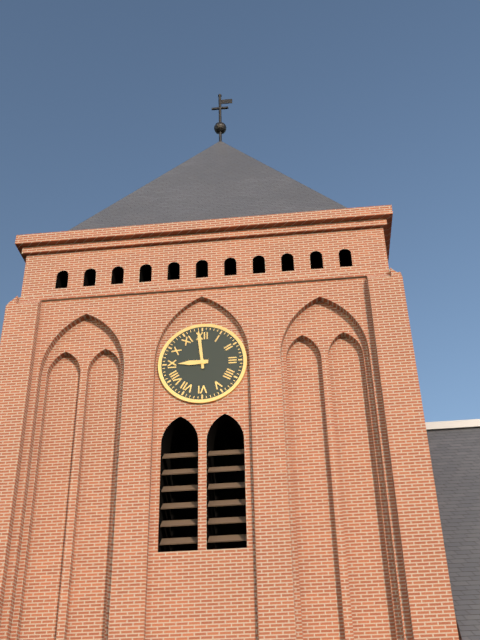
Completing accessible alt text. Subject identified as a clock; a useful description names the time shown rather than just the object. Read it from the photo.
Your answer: 8:59
